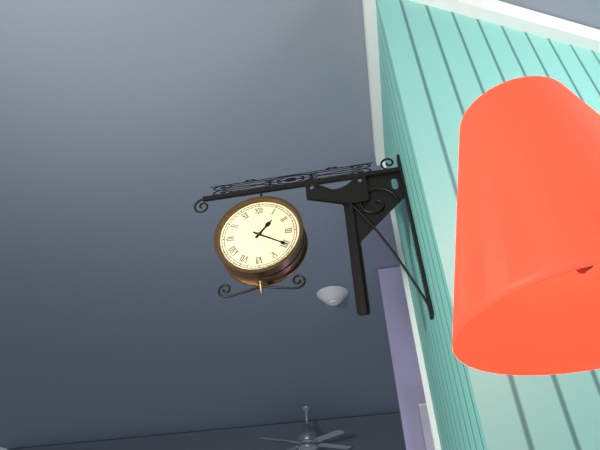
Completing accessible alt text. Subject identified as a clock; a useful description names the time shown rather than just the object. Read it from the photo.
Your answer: 1:20
